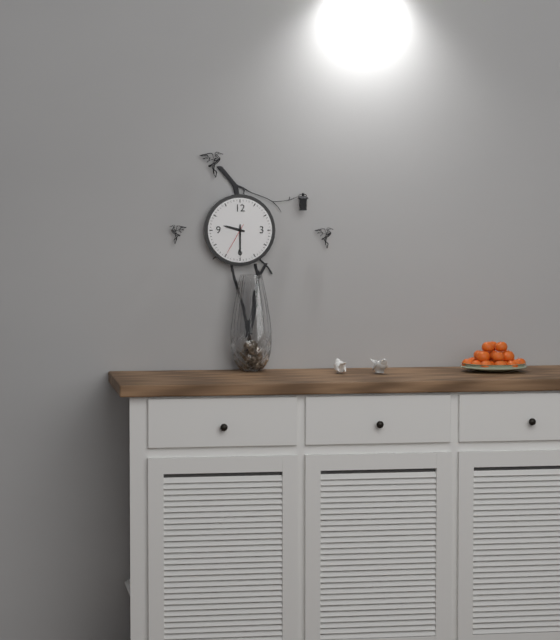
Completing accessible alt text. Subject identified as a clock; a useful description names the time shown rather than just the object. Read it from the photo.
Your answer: 9:30
